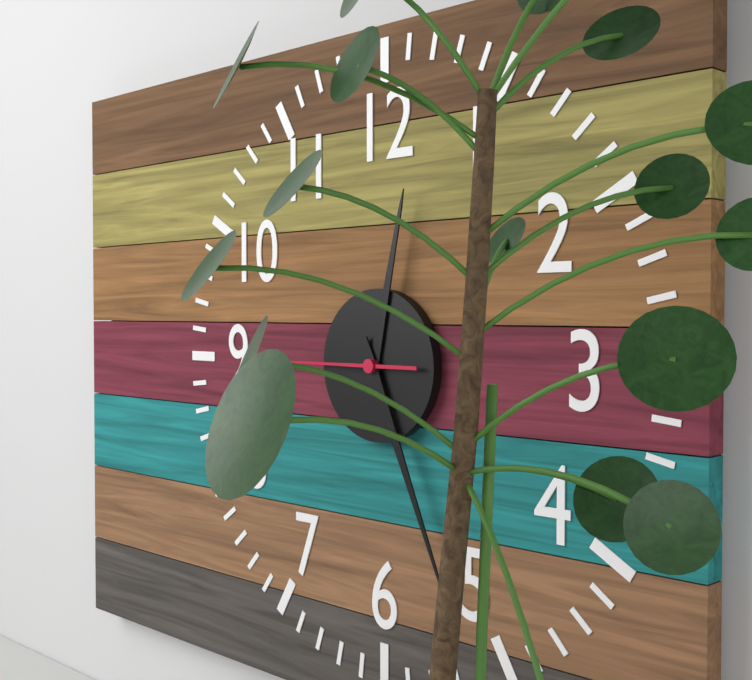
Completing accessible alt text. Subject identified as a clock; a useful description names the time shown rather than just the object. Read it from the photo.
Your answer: 12:26
